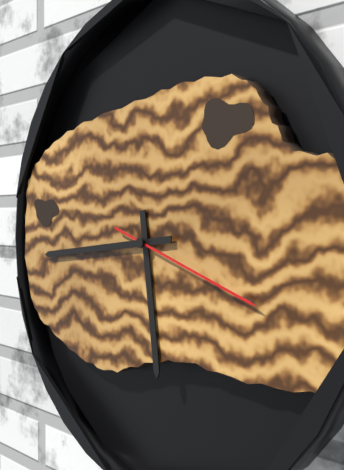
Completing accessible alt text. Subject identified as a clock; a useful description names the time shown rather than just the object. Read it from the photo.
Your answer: 5:44:18
